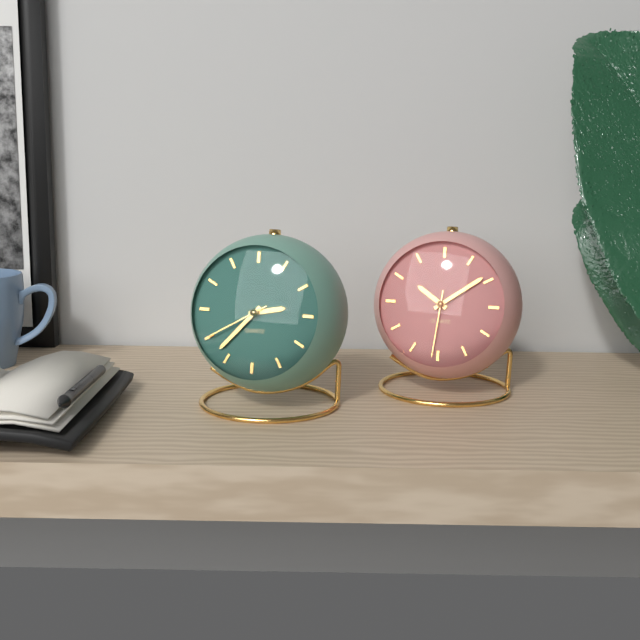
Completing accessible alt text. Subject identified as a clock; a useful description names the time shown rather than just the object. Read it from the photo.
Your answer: 2:37:40
